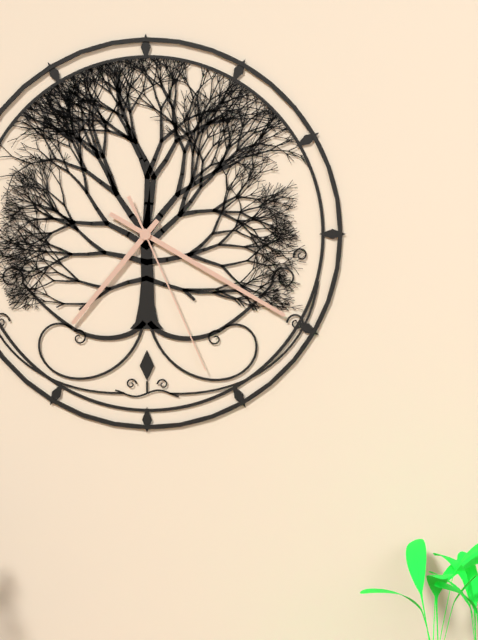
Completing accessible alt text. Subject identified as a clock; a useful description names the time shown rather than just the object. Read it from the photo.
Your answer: 7:20:26
